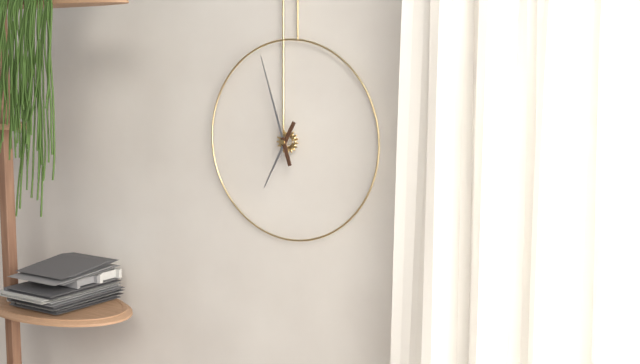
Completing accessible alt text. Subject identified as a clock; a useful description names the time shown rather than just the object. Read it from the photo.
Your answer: 6:57
